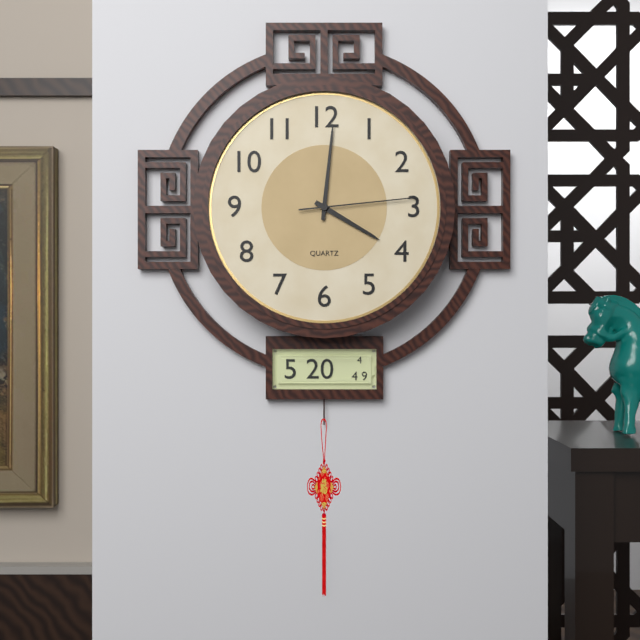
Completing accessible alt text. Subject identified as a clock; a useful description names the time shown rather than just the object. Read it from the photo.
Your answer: 4:01:14
